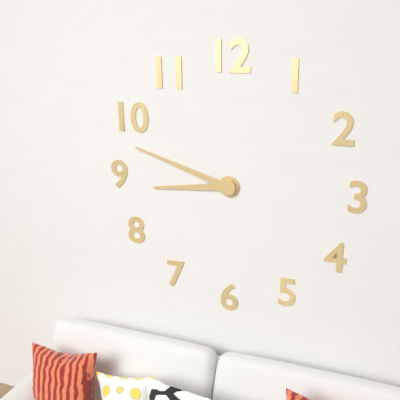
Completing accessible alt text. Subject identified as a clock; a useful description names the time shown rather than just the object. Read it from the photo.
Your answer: 8:48
